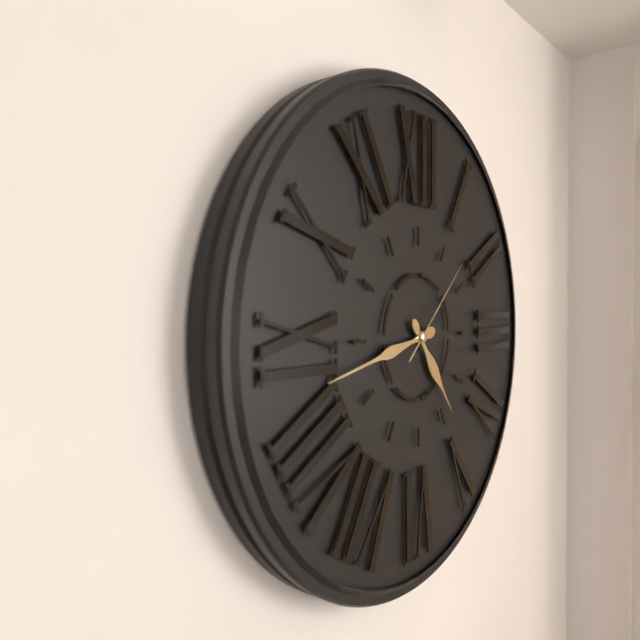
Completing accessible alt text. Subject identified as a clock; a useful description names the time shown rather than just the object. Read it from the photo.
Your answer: 4:43:08
